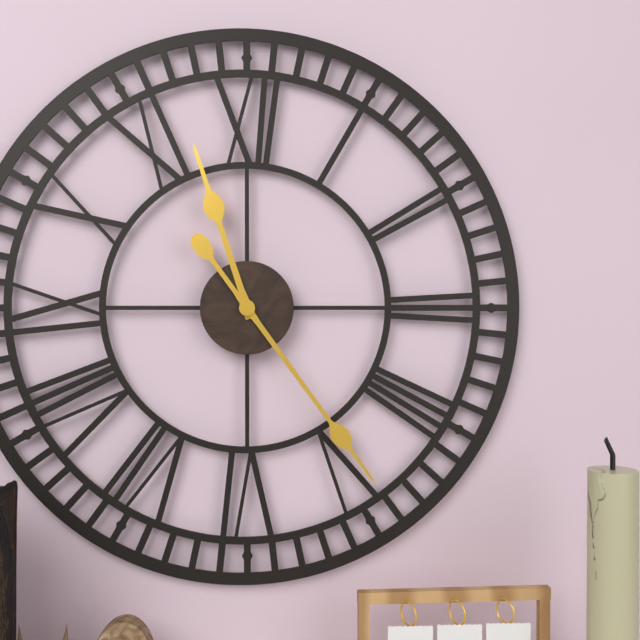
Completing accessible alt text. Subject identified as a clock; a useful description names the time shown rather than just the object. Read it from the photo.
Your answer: 11:24
